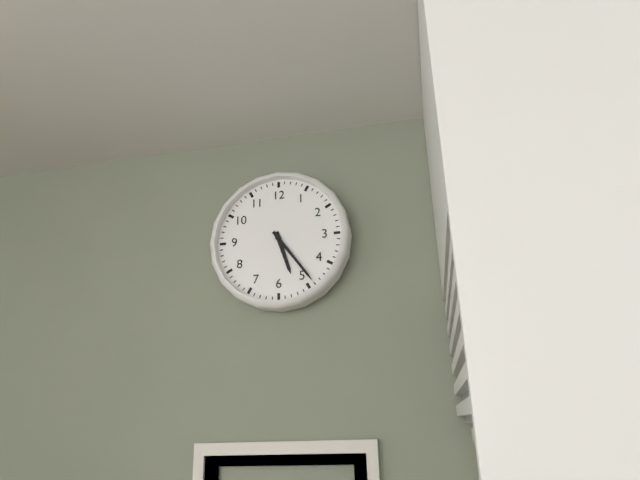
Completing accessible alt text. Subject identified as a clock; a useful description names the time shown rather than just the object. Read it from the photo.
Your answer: 5:24
